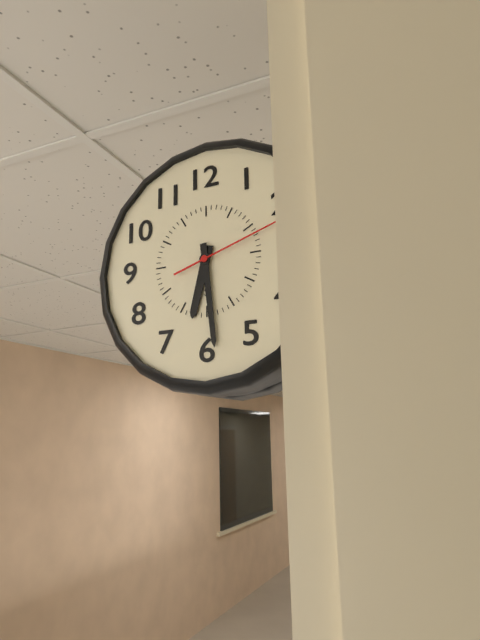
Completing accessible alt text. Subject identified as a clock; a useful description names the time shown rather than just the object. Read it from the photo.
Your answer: 6:29:12
